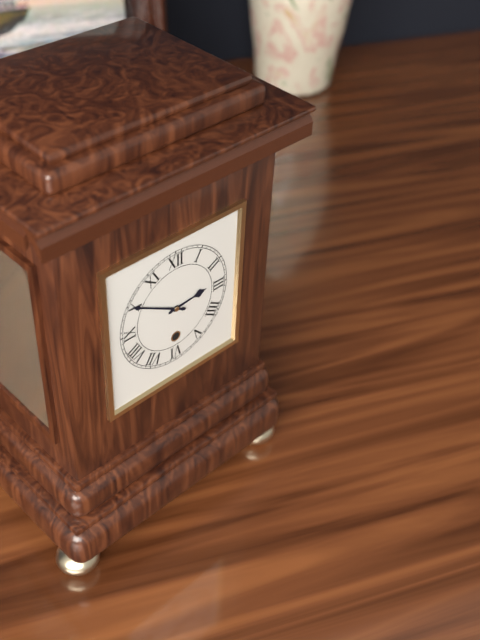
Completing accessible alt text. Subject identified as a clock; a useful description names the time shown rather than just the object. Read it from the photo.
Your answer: 2:50
